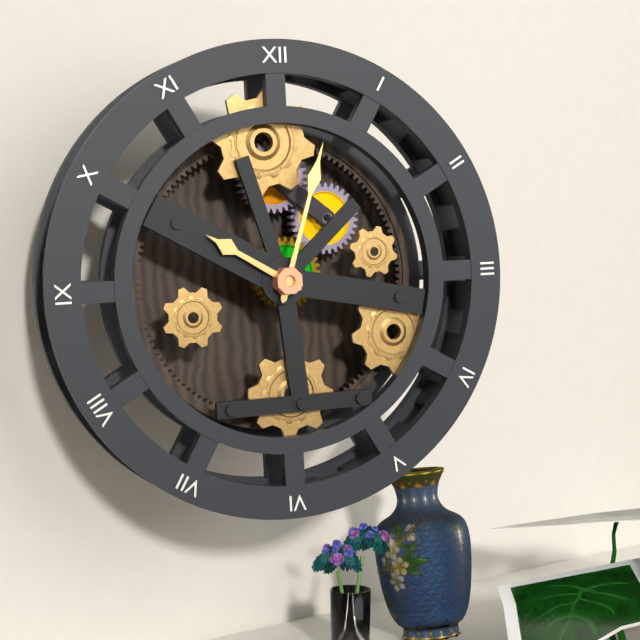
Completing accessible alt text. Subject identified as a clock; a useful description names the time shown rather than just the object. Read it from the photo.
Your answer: 10:03
